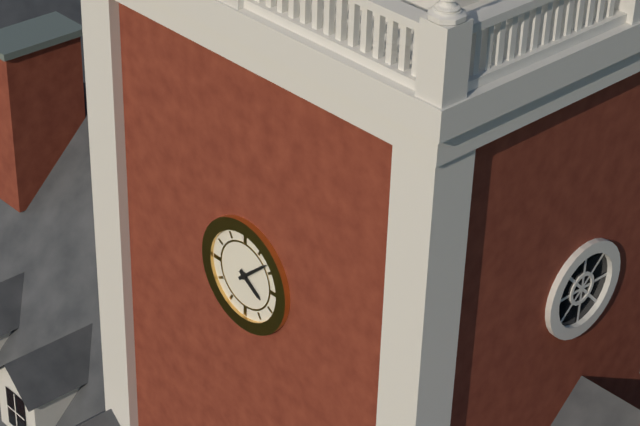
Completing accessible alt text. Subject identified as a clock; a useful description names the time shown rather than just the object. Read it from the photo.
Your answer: 4:08
